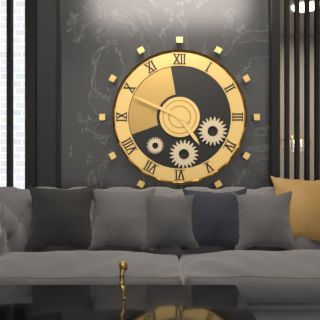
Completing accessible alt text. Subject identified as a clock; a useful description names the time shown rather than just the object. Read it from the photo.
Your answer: 4:49
